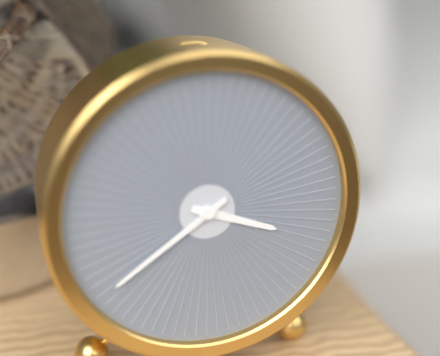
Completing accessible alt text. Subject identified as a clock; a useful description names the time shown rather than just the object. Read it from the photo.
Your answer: 3:39
